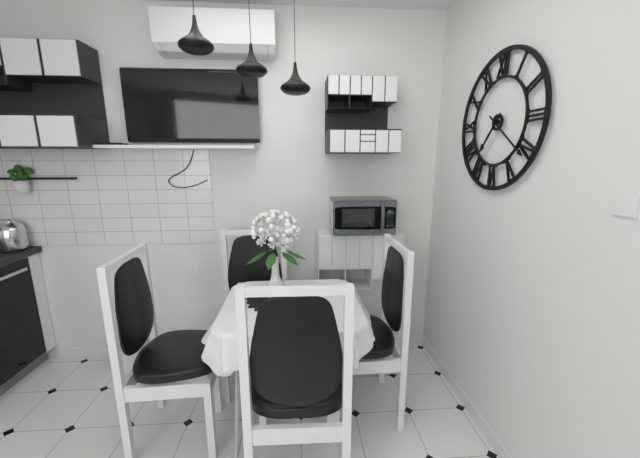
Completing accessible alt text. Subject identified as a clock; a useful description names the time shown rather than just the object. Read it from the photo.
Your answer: 7:21
